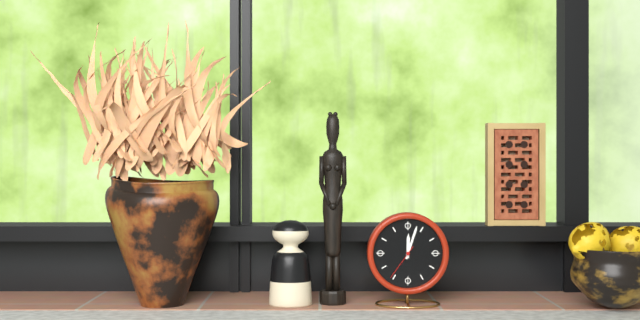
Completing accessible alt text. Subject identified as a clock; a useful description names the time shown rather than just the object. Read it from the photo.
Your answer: 12:03
